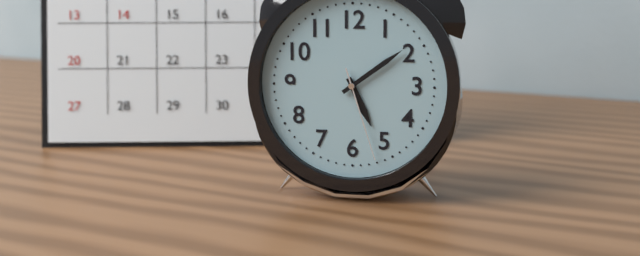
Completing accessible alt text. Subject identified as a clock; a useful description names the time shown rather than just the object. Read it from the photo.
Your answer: 5:09:27
